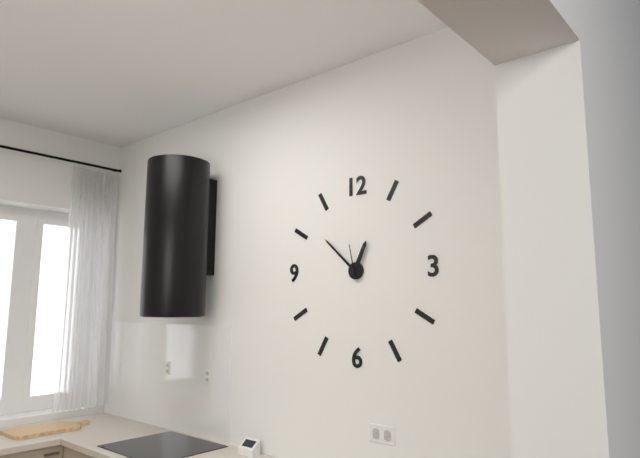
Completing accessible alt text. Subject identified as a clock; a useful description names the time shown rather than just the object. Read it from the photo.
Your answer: 12:52
